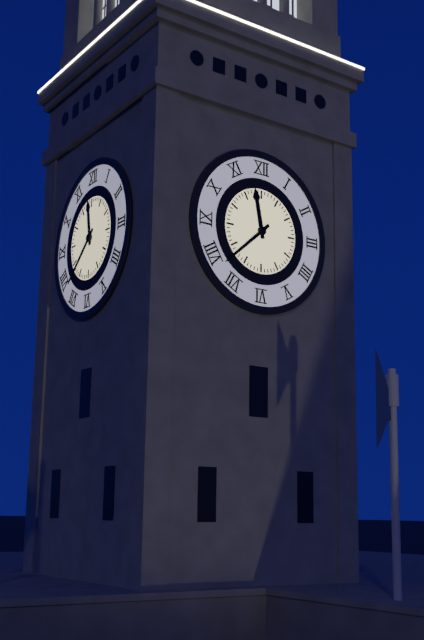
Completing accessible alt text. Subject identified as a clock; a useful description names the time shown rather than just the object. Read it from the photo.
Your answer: 11:38
